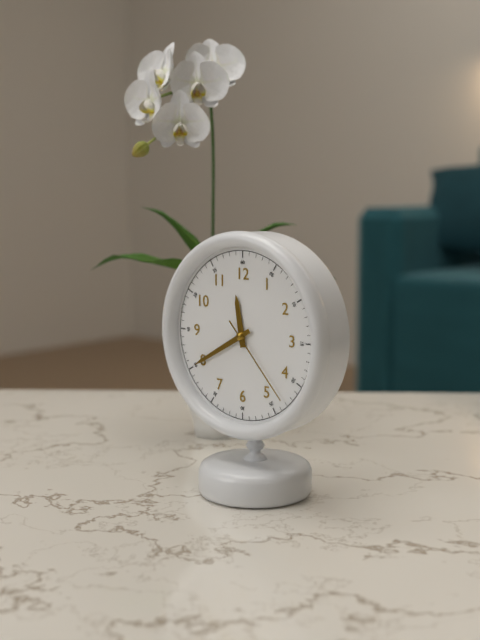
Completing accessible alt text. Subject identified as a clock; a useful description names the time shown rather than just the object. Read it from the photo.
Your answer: 11:40:23
